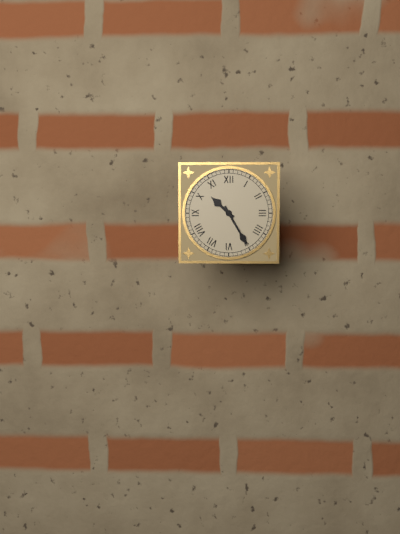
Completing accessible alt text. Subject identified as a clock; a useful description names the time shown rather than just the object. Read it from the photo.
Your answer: 10:25
